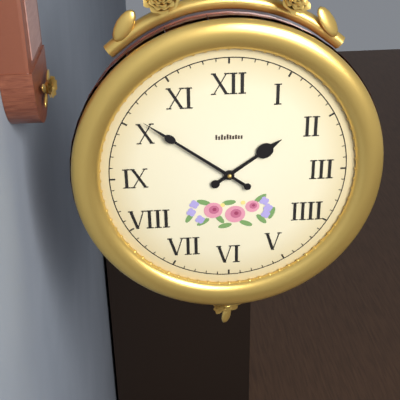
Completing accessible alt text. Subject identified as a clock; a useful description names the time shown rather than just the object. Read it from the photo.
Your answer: 1:51
